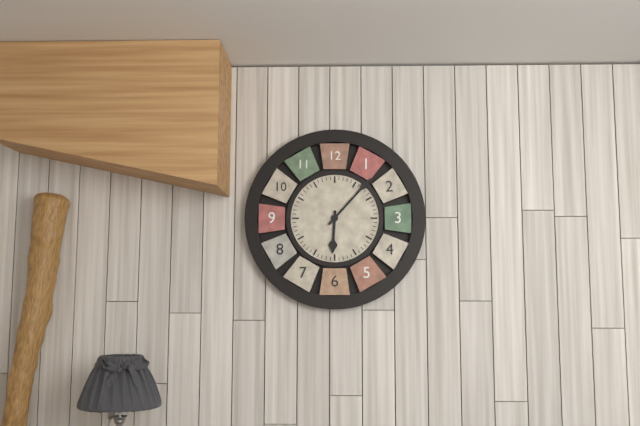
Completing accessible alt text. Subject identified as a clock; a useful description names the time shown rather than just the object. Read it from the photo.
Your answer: 6:07
